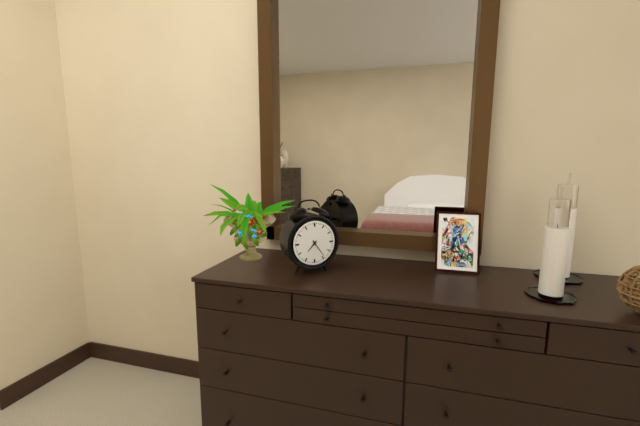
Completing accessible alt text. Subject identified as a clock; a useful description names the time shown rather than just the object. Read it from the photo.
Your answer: 7:24
